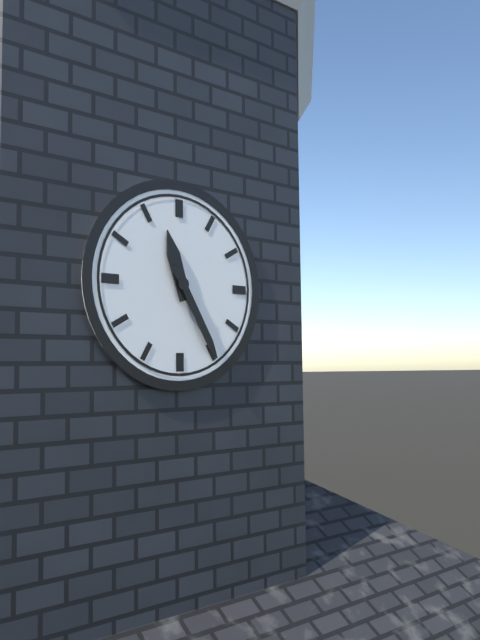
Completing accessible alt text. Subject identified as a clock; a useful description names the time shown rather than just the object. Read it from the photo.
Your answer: 11:25
